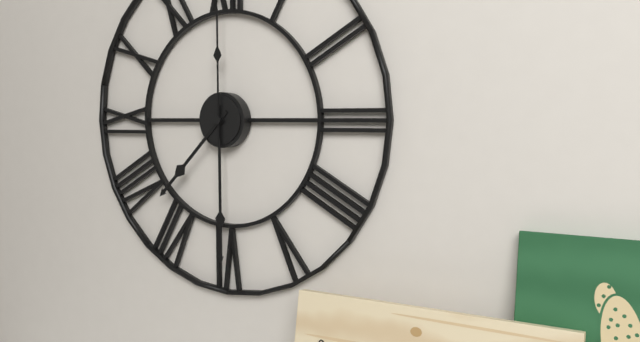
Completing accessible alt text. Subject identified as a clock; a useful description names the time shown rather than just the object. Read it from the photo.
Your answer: 7:30:00
